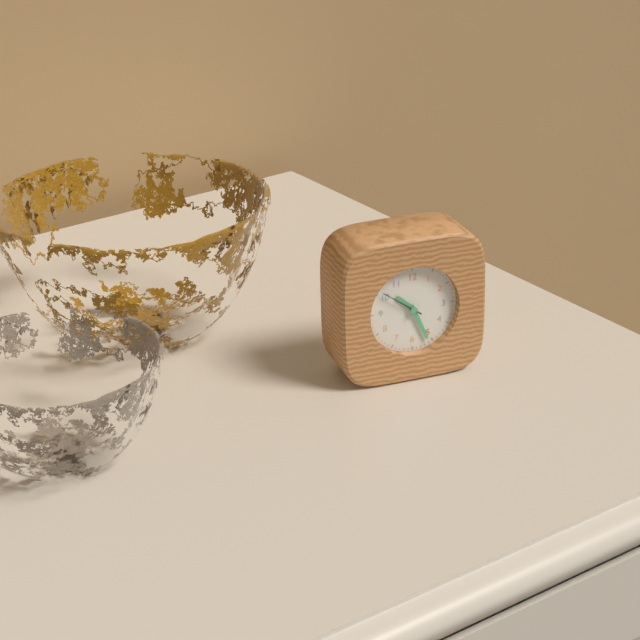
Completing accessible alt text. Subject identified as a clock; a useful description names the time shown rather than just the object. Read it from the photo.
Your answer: 10:26
